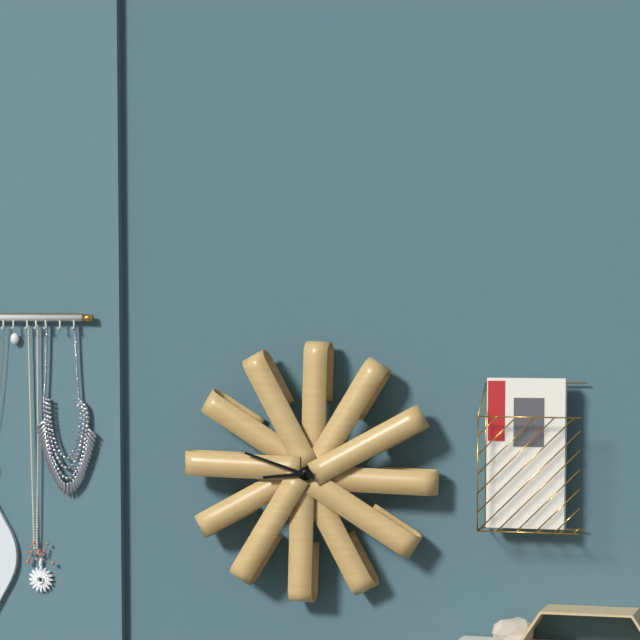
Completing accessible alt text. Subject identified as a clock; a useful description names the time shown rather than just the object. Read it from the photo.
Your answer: 8:48
